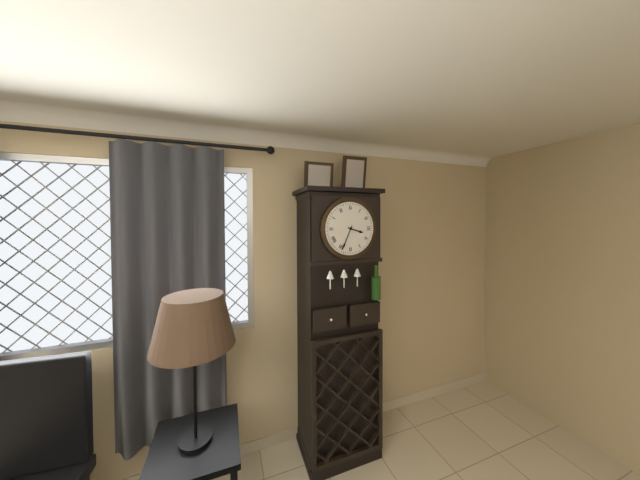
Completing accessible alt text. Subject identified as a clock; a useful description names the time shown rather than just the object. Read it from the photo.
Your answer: 3:34
